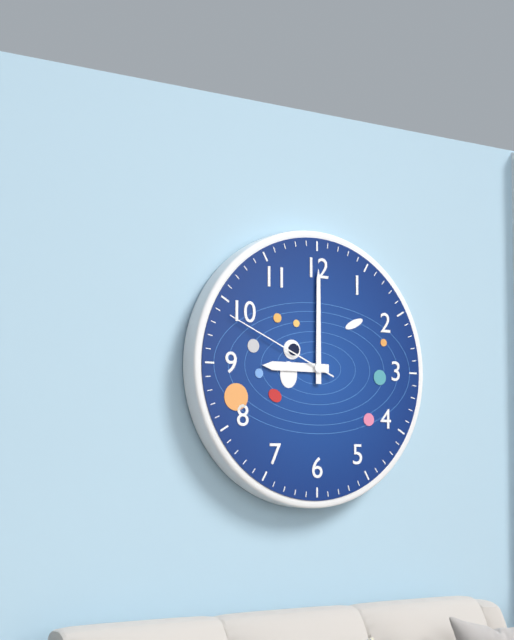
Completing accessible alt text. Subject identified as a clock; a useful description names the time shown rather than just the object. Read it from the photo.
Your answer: 9:00:49
